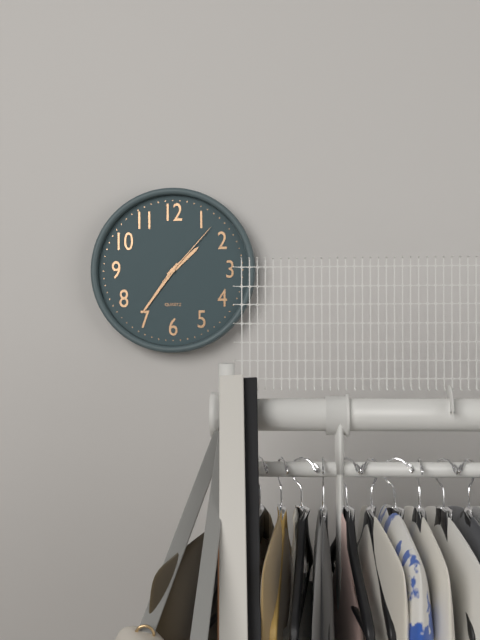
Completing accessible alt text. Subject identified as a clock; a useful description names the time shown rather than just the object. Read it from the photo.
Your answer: 1:36:07
